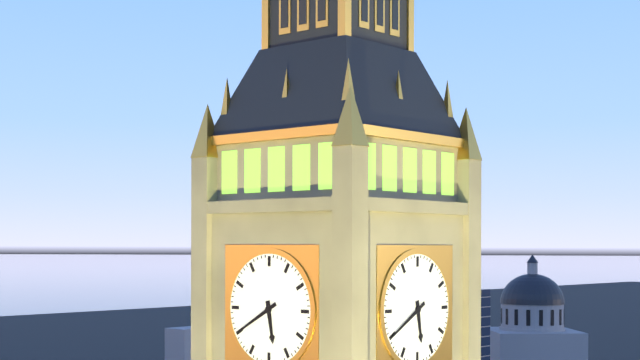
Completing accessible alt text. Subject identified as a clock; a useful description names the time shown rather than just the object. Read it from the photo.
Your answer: 5:40
